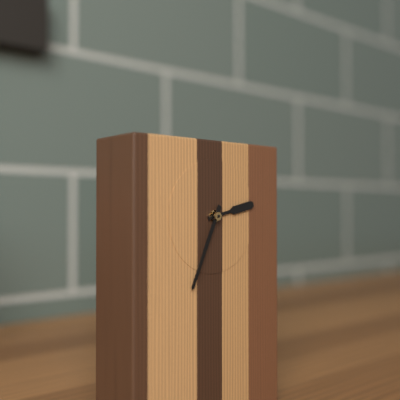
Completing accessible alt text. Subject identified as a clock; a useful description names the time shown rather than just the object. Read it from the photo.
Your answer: 2:34
